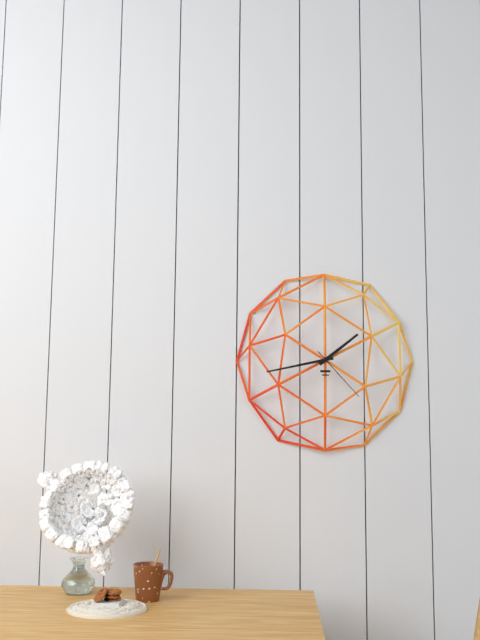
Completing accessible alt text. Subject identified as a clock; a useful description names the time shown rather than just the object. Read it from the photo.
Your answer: 1:43:23
